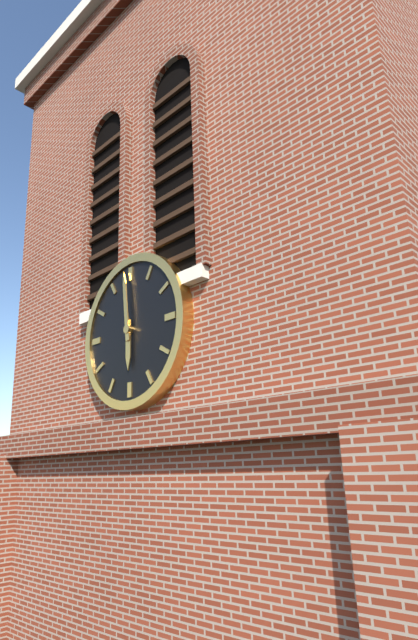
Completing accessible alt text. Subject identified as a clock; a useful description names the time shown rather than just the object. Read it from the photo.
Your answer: 5:59
